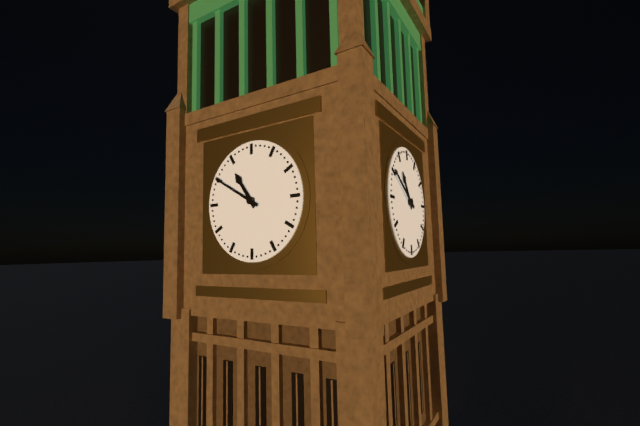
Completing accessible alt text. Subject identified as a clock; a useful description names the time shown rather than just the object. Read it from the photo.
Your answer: 10:50
